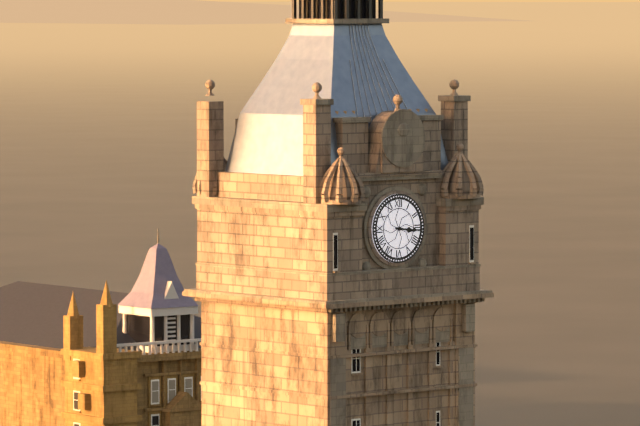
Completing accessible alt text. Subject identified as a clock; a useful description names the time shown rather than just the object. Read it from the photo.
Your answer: 3:16
